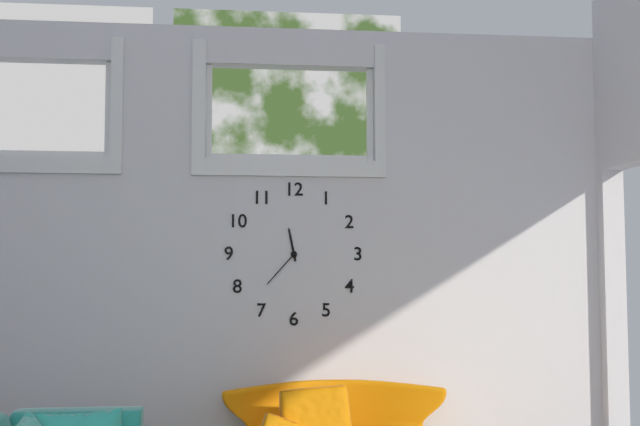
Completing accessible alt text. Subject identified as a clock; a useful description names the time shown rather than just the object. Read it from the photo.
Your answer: 11:37
